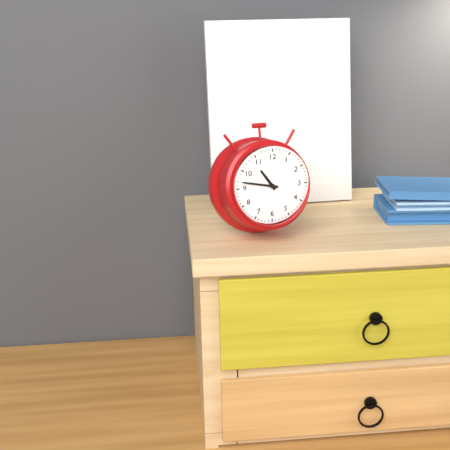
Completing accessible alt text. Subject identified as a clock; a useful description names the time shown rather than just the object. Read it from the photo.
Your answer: 10:47
